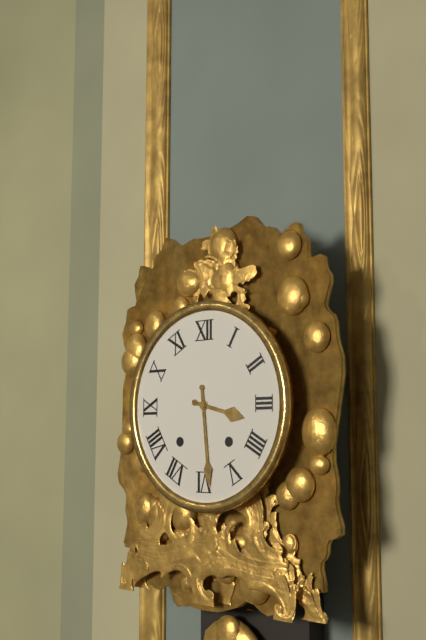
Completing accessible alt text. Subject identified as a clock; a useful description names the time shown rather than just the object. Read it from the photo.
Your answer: 3:29
